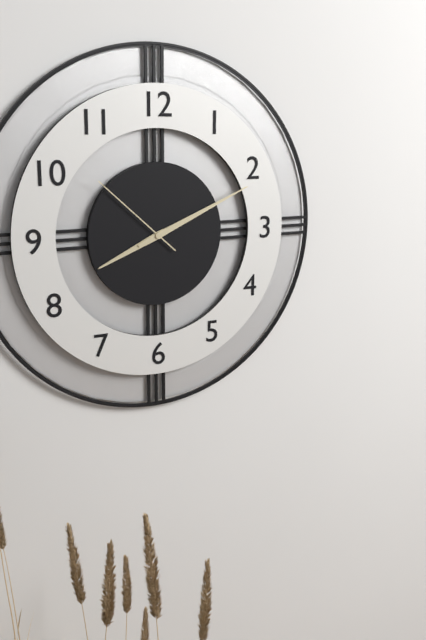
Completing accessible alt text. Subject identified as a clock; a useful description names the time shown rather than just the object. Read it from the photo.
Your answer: 8:11:52
